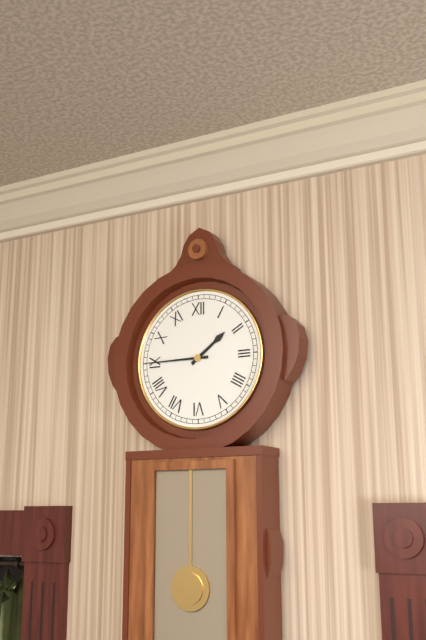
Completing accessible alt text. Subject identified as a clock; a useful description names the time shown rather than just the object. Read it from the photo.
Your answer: 1:45
